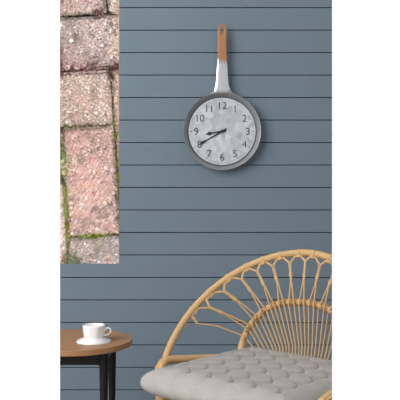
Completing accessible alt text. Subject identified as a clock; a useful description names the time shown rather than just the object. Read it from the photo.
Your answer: 8:40
